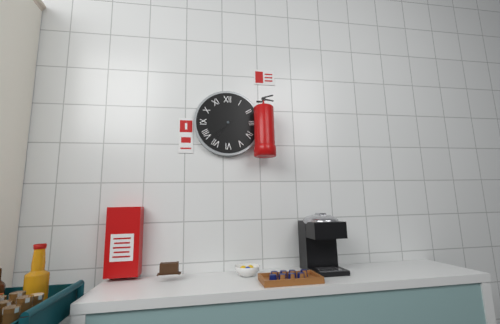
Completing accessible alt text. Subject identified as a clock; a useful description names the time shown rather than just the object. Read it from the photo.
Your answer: 7:36
